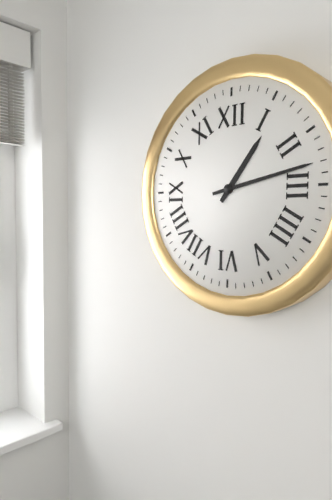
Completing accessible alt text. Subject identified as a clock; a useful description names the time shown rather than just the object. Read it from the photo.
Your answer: 1:13
